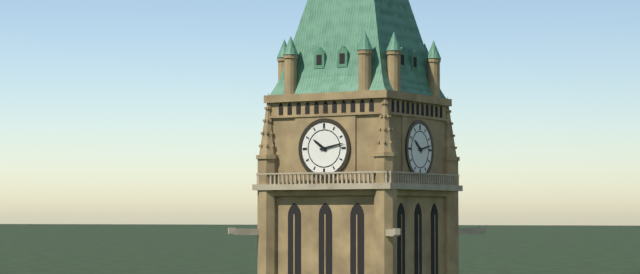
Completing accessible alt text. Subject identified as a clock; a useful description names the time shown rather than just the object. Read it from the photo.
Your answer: 10:13
